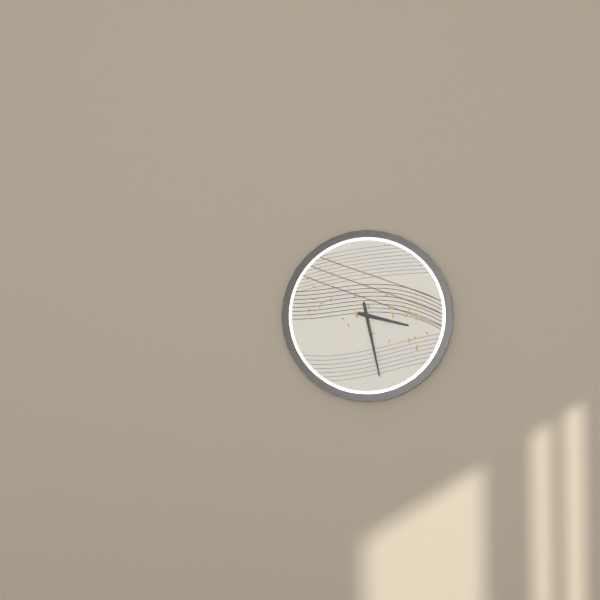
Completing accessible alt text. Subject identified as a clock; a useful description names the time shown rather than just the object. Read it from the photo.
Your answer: 3:28
